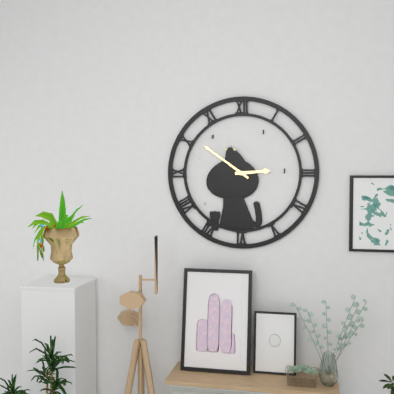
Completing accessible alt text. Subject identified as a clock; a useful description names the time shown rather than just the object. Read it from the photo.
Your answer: 2:51
